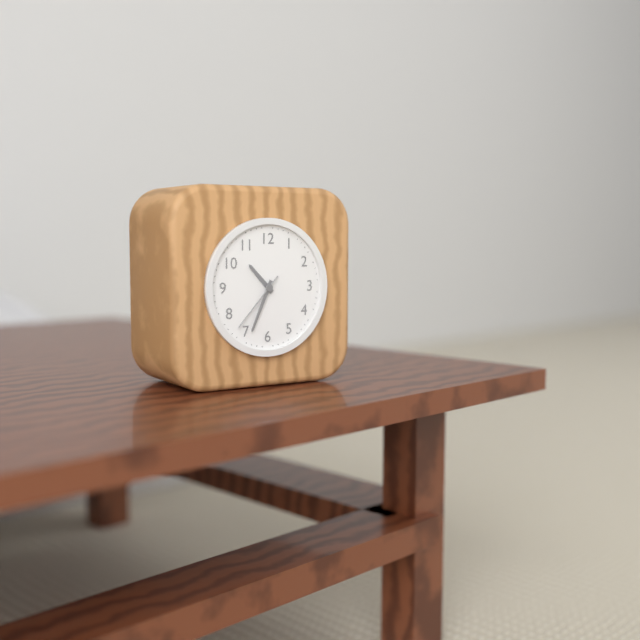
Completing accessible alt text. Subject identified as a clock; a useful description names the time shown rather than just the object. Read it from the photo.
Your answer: 10:34:37
